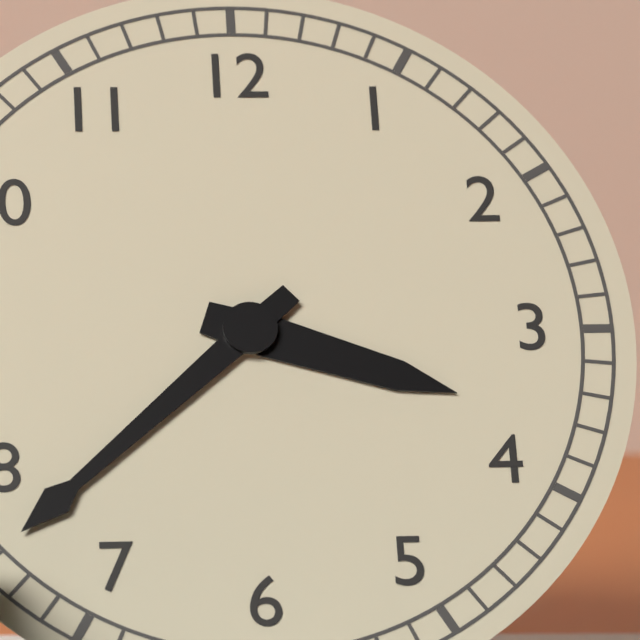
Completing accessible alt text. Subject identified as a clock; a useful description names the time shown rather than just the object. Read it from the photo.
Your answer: 3:38
